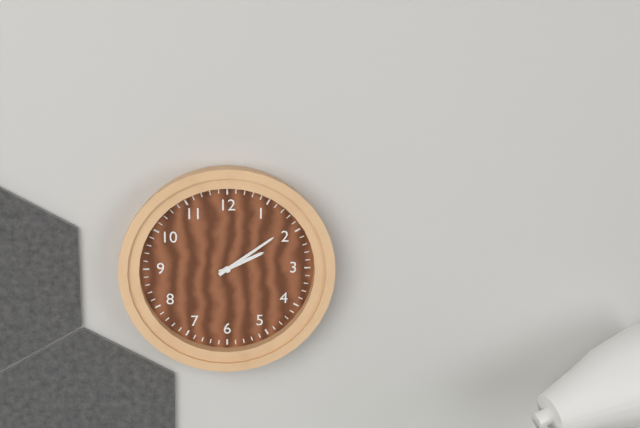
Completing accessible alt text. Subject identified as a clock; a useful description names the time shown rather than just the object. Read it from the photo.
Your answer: 2:09
